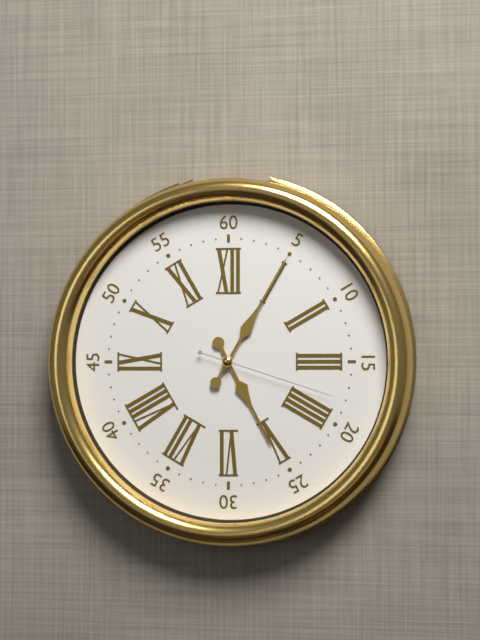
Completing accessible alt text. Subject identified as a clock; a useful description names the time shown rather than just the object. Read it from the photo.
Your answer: 5:05:18
